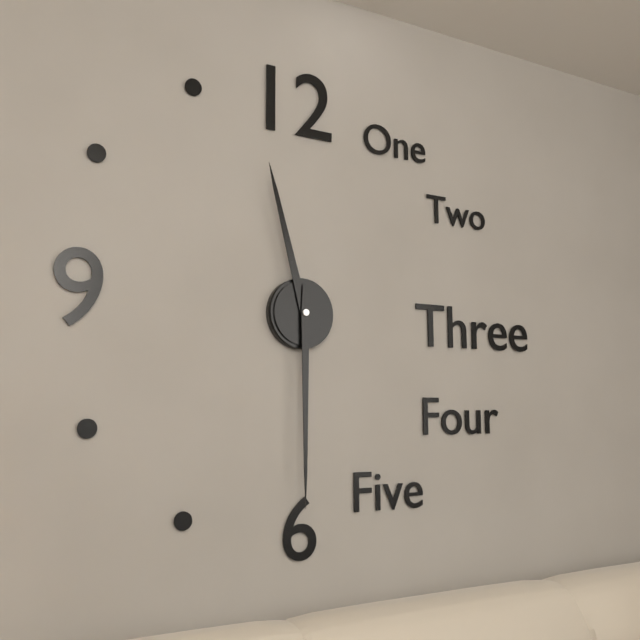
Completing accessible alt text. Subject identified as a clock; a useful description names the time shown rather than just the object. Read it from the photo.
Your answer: 11:30
